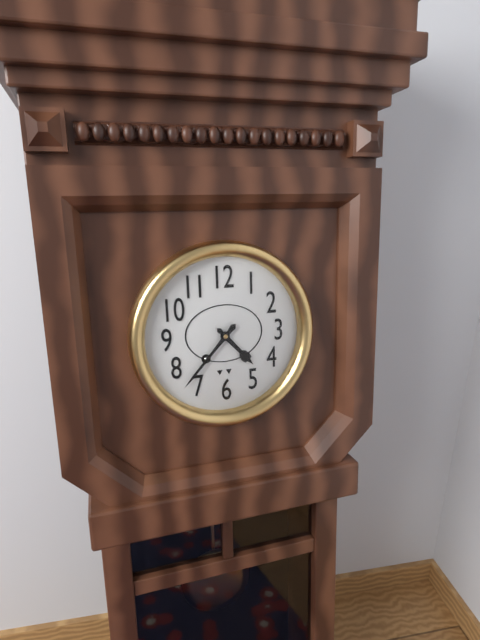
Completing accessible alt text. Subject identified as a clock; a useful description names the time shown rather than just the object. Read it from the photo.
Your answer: 4:37
